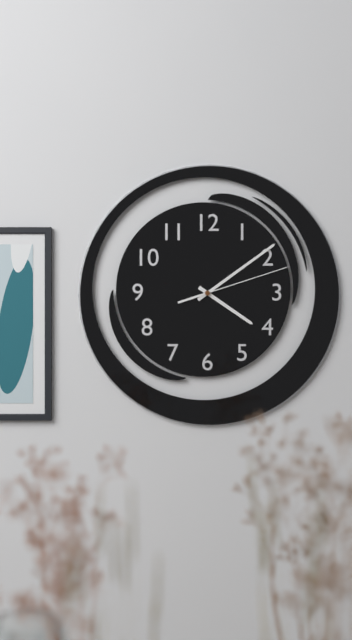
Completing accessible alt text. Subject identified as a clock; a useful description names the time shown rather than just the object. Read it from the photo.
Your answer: 4:09:12
